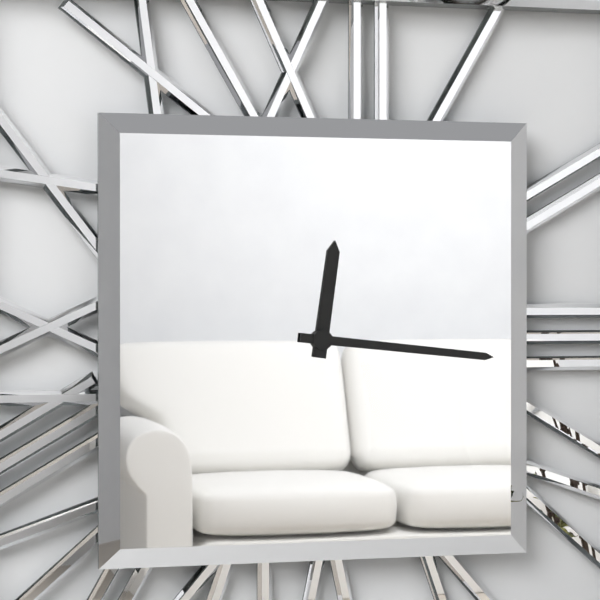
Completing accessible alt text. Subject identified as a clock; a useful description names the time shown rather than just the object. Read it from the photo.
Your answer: 12:16
